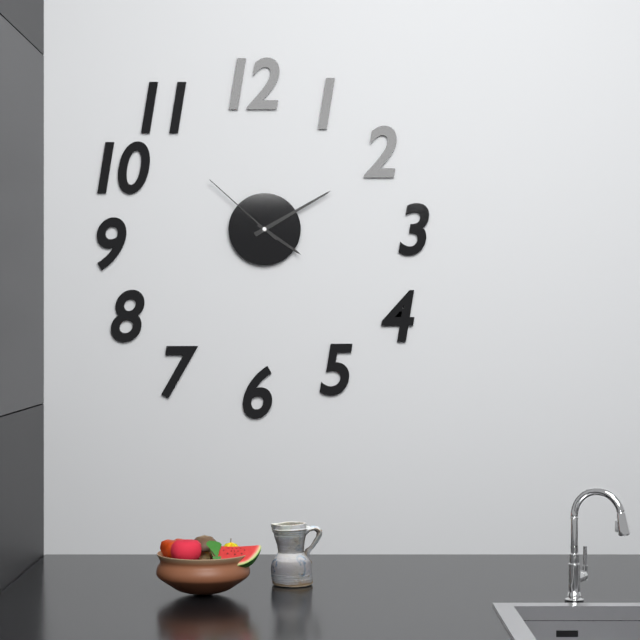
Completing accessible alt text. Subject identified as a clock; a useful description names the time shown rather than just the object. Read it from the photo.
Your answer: 4:10:52
